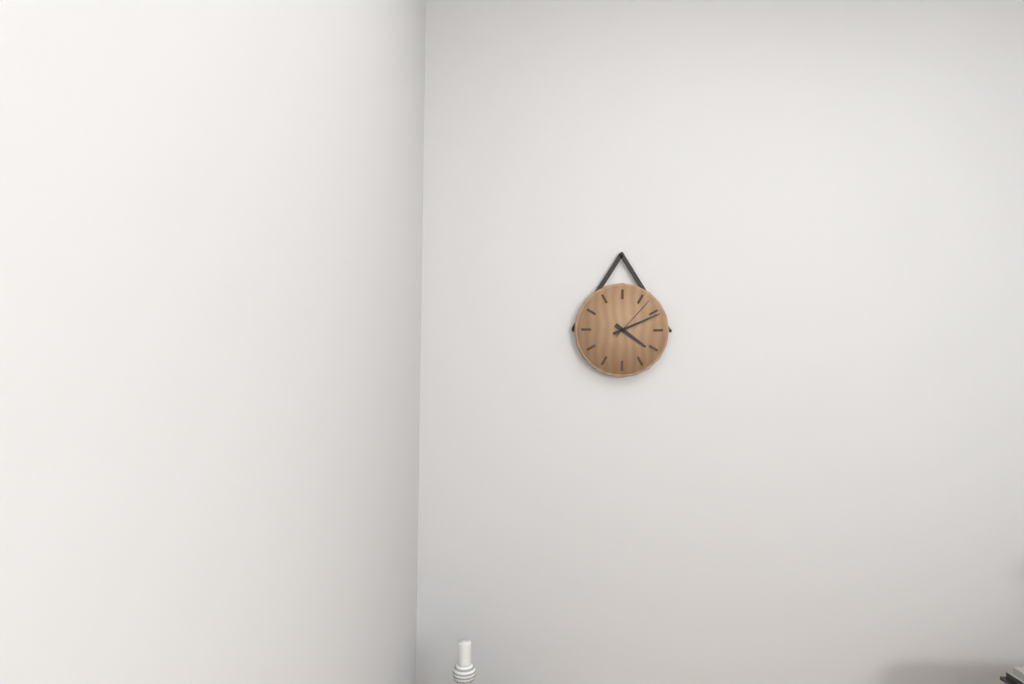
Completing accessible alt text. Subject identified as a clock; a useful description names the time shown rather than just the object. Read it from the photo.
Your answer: 4:11:07
